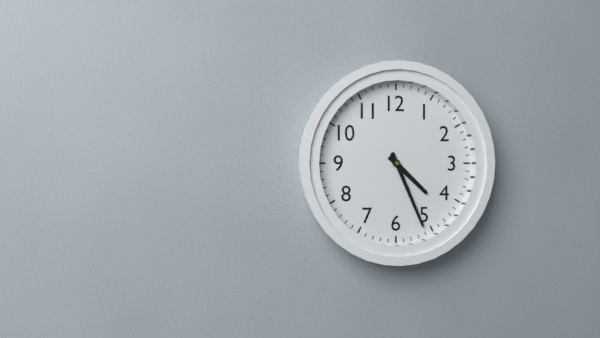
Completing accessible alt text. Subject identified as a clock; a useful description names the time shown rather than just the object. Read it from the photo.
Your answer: 4:26
